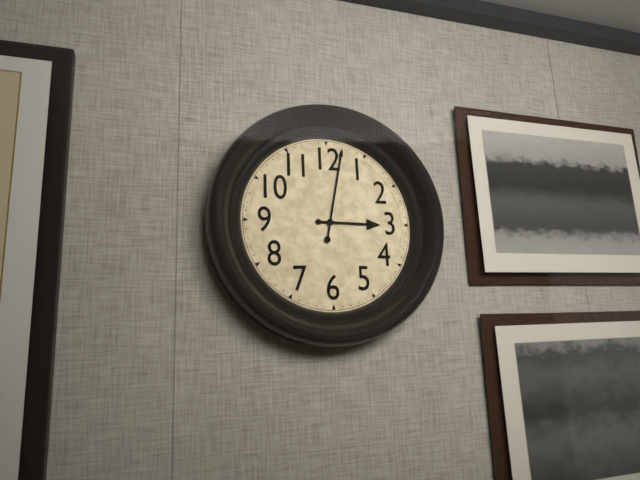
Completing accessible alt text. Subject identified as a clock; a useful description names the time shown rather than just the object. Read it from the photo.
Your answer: 3:02
